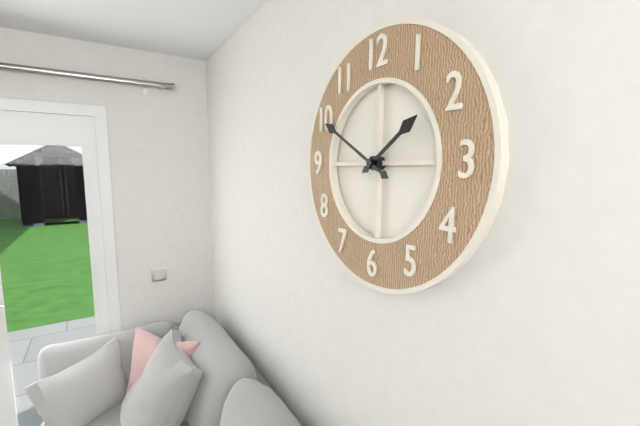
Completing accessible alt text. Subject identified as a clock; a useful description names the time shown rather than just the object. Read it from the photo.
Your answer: 1:50
